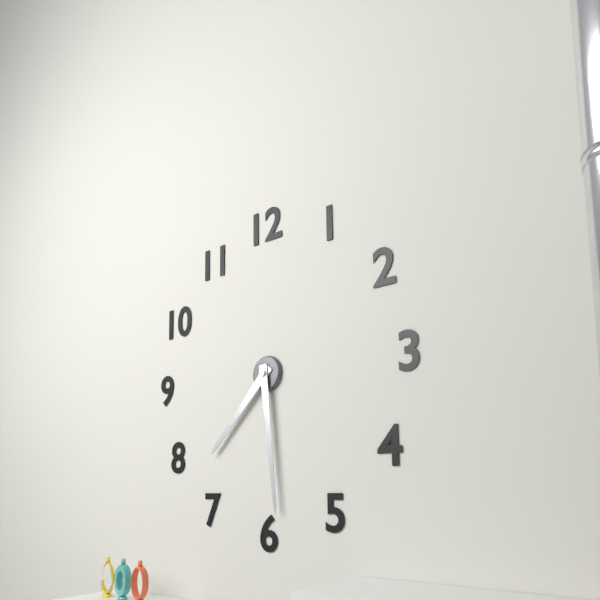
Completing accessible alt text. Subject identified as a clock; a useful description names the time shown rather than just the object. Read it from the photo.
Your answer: 7:29
